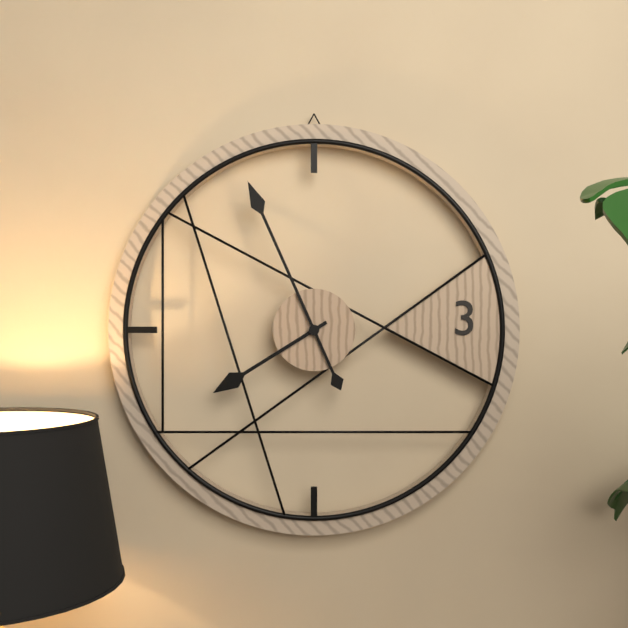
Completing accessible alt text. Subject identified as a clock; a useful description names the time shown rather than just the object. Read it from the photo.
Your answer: 7:56
